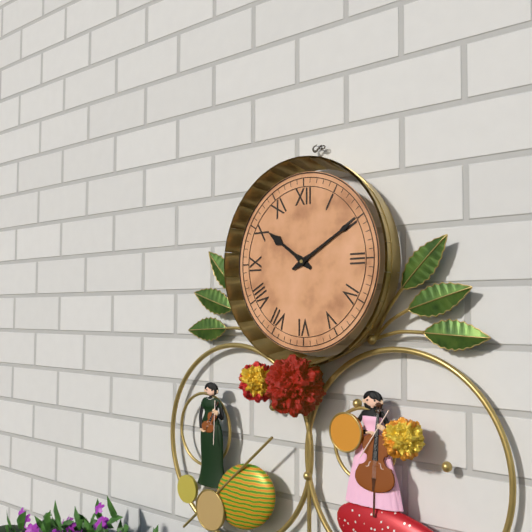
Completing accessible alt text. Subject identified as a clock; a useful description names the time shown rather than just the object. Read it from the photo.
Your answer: 10:10
